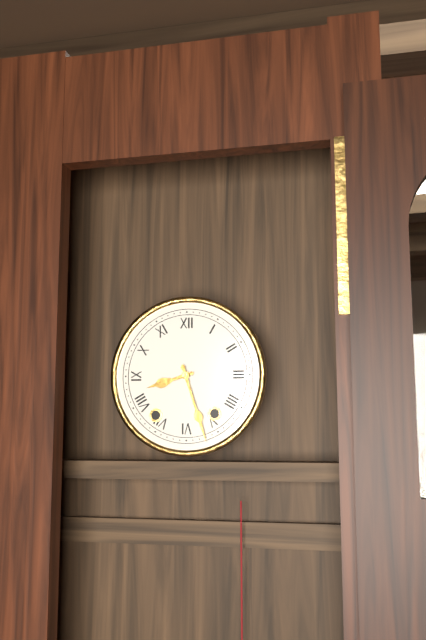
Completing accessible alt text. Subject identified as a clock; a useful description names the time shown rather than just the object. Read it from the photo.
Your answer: 8:27
